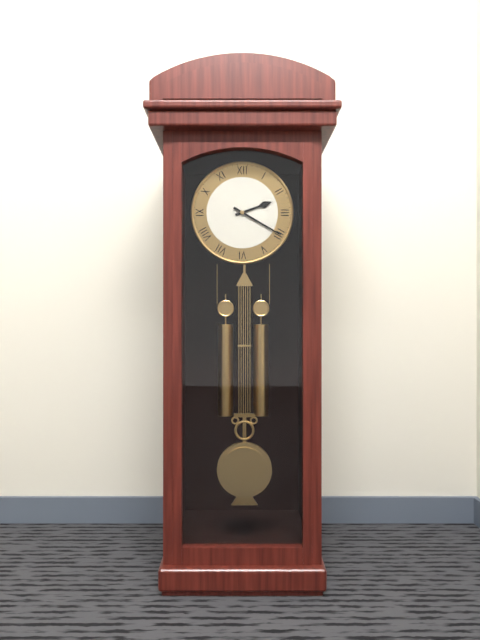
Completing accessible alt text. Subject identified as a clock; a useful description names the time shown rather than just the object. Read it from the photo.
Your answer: 2:20
